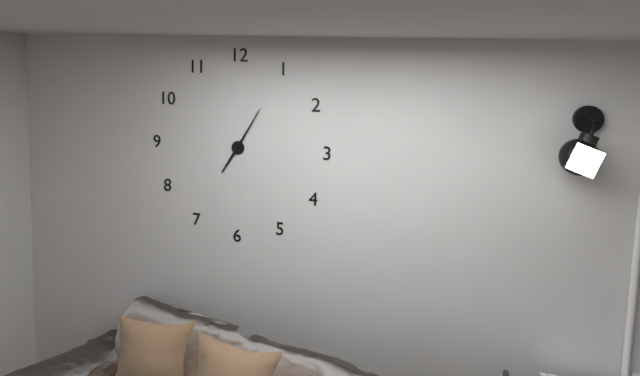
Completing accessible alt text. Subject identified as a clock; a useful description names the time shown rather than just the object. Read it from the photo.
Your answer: 7:05
